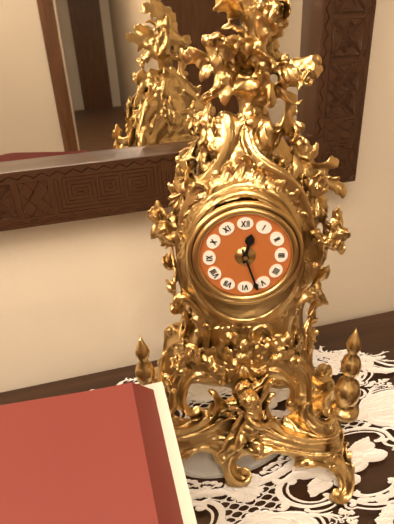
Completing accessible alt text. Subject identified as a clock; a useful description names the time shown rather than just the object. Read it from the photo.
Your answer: 12:27
